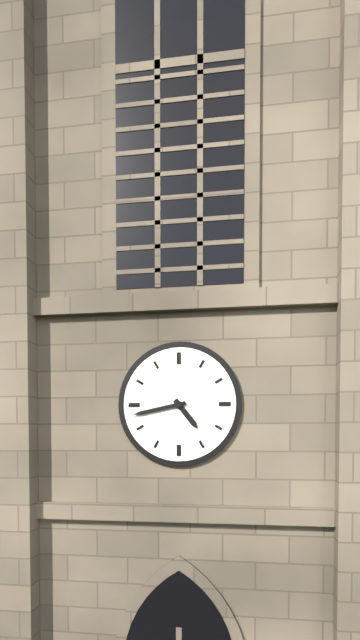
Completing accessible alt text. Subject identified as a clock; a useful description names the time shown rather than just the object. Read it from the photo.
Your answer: 4:43
